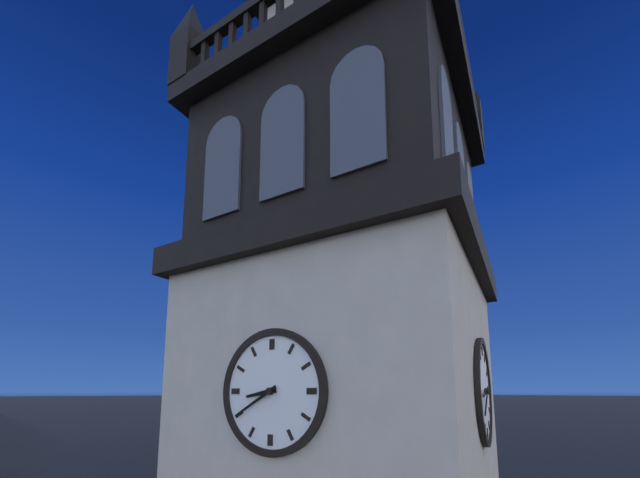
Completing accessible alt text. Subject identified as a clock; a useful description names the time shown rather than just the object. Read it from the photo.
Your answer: 8:40
